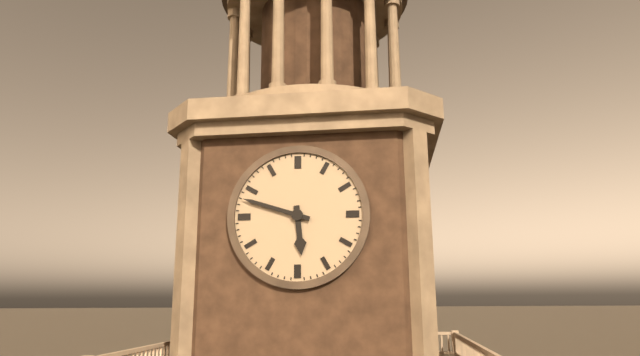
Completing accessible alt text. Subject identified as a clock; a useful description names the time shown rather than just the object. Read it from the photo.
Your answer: 5:48
